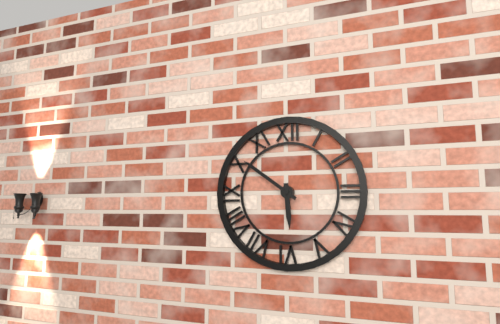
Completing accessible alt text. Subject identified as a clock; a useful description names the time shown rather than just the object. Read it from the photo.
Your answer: 5:51
